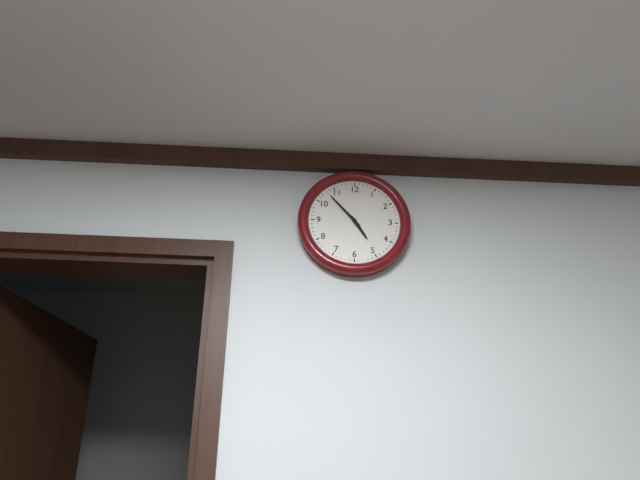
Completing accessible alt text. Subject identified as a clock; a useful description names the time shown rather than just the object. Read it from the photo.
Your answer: 4:53
